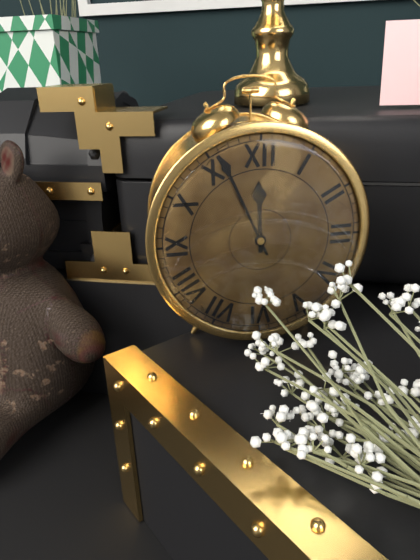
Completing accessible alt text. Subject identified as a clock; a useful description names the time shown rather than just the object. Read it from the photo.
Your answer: 11:56
